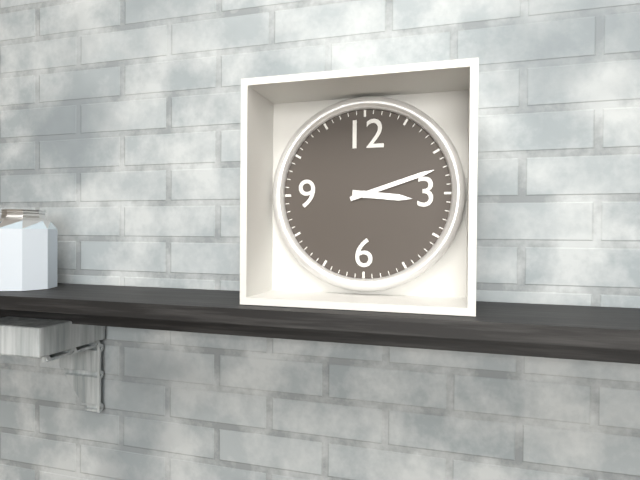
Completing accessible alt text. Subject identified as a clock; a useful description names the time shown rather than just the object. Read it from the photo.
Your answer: 3:12
